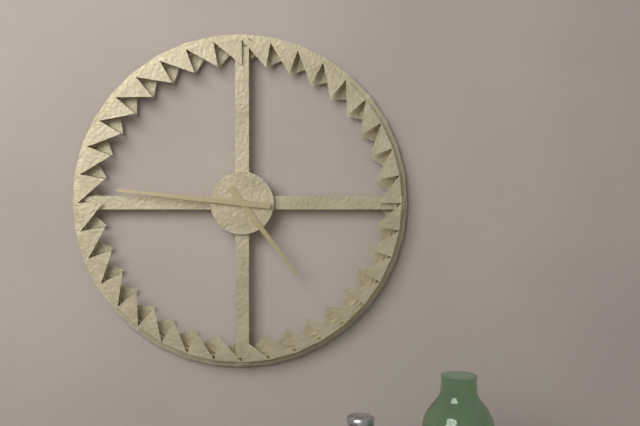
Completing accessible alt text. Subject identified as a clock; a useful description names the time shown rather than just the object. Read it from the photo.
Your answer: 4:46
